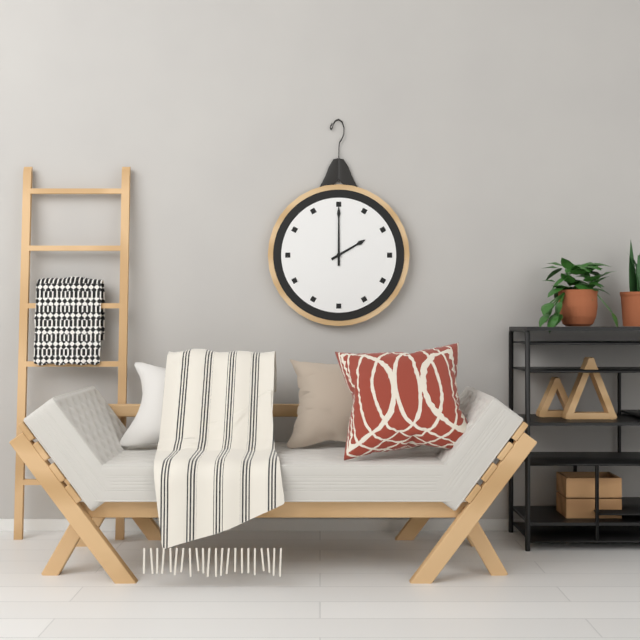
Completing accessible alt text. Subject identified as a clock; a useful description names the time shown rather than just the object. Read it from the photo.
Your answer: 2:00
